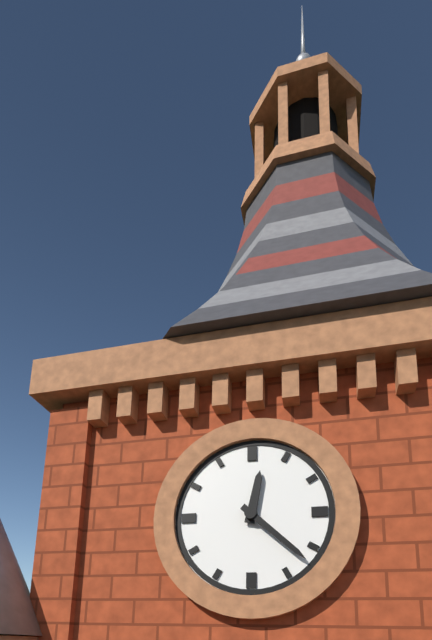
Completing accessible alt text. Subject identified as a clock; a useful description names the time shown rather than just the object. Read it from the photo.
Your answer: 12:22
